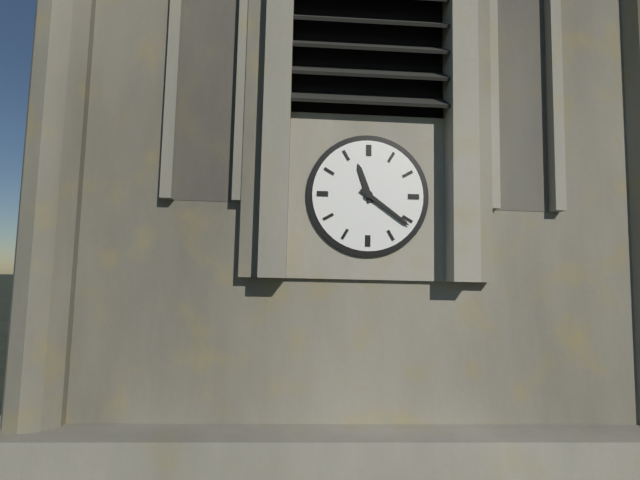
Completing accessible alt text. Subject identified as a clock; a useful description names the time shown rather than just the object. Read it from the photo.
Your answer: 11:21
